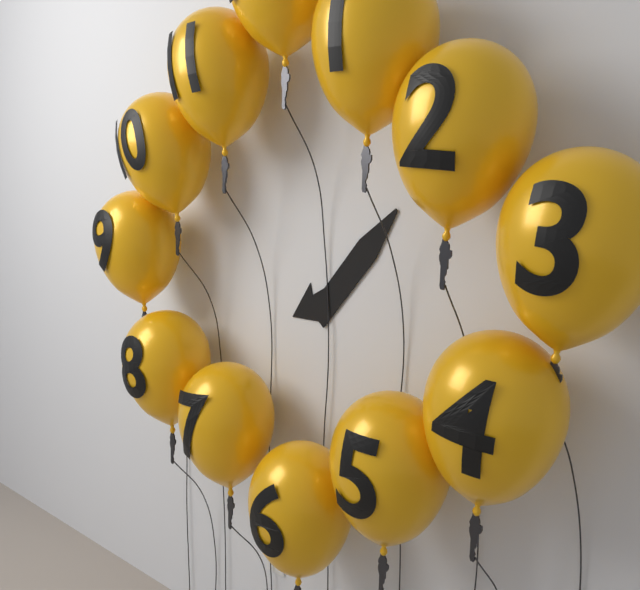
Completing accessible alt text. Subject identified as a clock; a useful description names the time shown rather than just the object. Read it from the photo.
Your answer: 8:07
